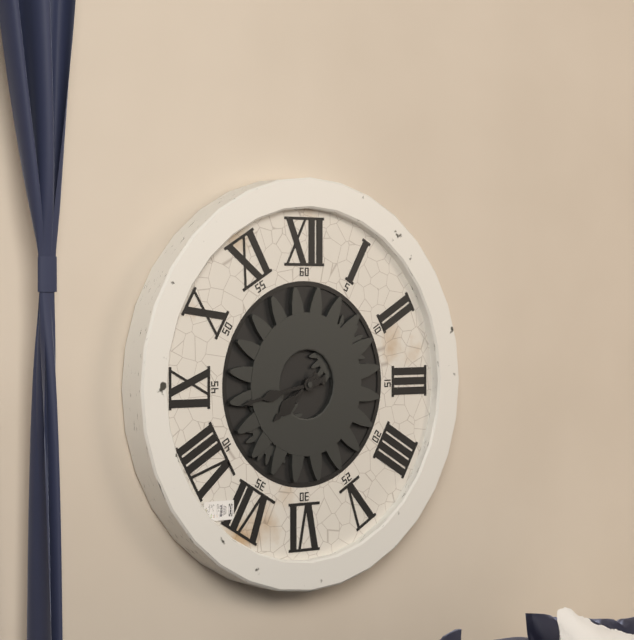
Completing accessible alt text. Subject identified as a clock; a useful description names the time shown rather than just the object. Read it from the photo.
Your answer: 7:43
